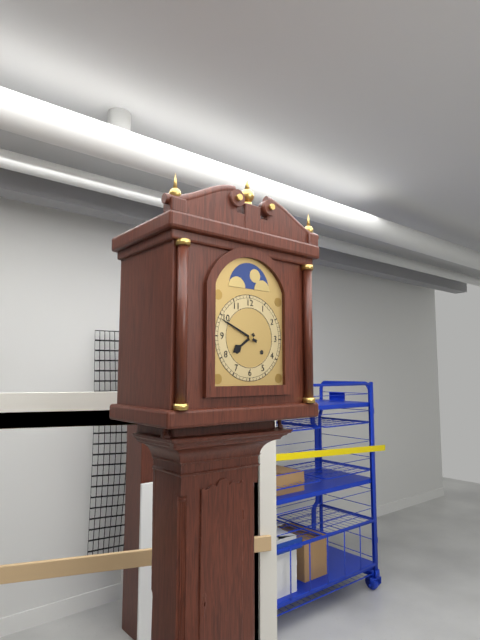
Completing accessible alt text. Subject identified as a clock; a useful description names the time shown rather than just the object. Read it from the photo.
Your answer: 7:49
